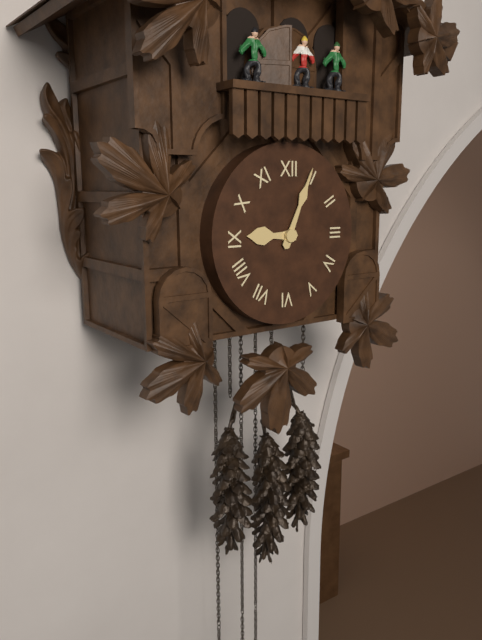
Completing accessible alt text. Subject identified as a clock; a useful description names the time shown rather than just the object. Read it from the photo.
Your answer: 9:04
